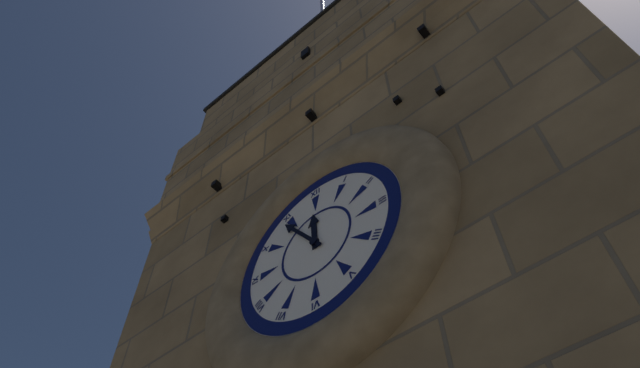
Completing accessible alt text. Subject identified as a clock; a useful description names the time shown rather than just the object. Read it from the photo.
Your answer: 11:54
